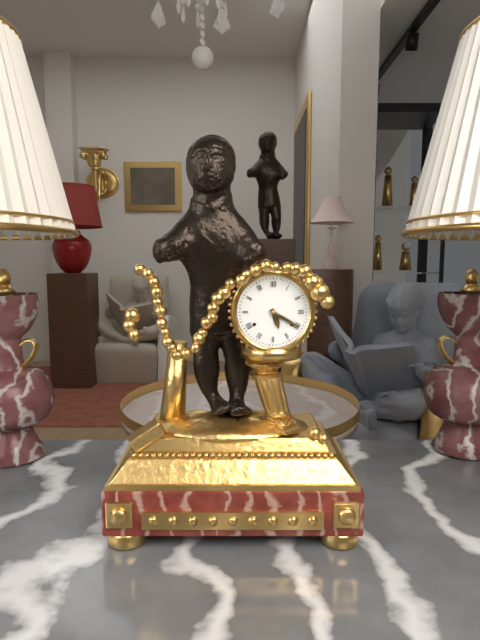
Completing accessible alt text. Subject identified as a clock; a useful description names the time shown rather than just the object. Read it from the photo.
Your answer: 5:20
